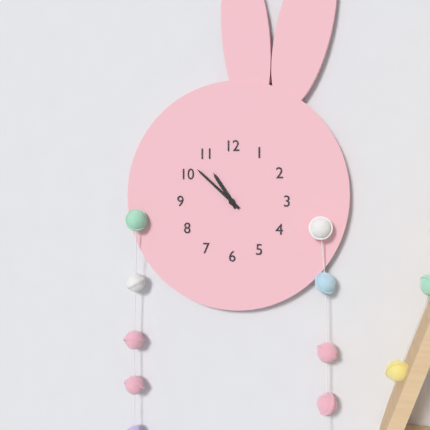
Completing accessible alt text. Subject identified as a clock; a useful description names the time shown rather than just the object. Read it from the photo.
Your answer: 10:52
